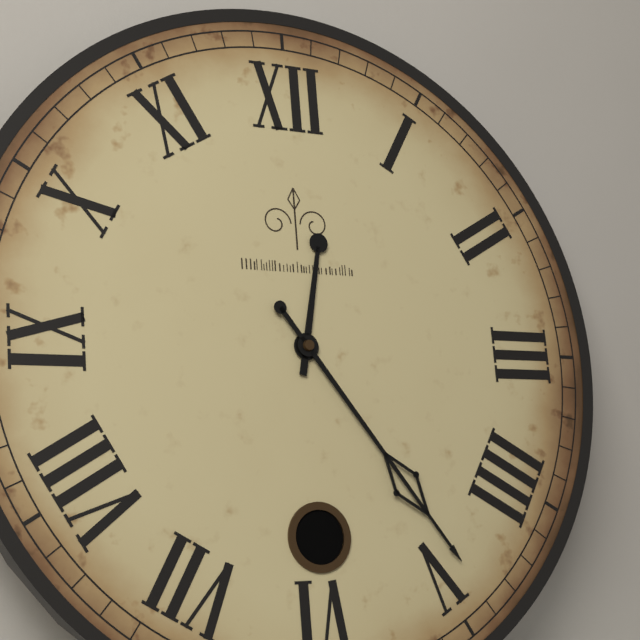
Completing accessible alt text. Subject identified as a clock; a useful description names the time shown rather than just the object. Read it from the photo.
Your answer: 12:24
